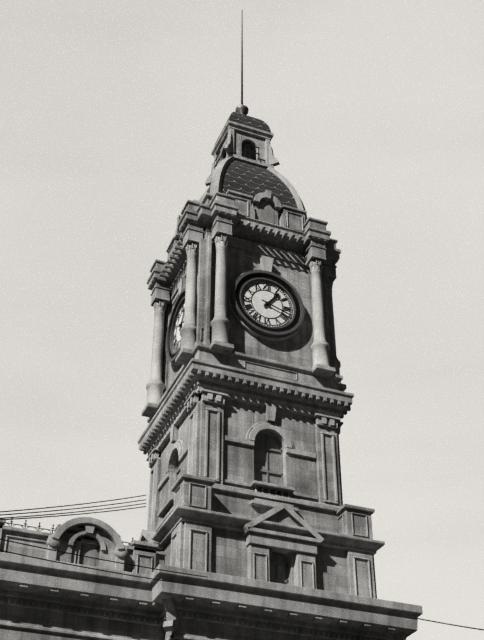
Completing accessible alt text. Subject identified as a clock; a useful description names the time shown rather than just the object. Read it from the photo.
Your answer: 1:18
